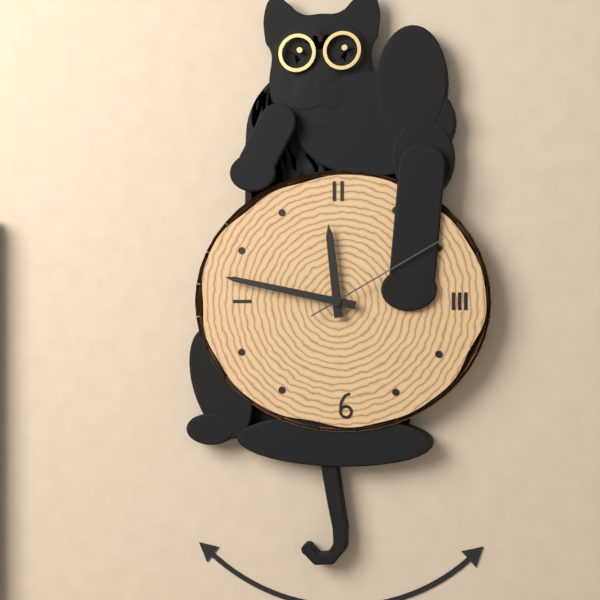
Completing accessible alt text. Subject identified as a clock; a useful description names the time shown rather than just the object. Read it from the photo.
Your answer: 11:47:10
